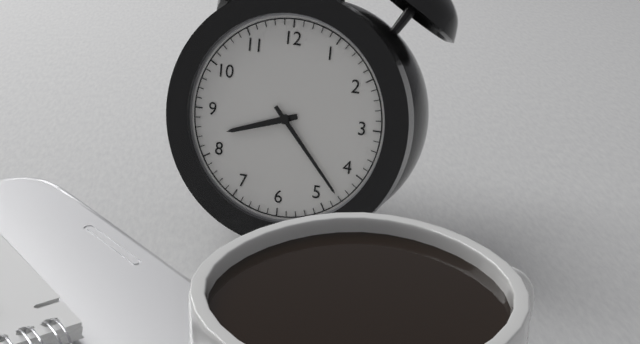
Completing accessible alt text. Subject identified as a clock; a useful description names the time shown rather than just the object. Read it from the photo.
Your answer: 8:23
